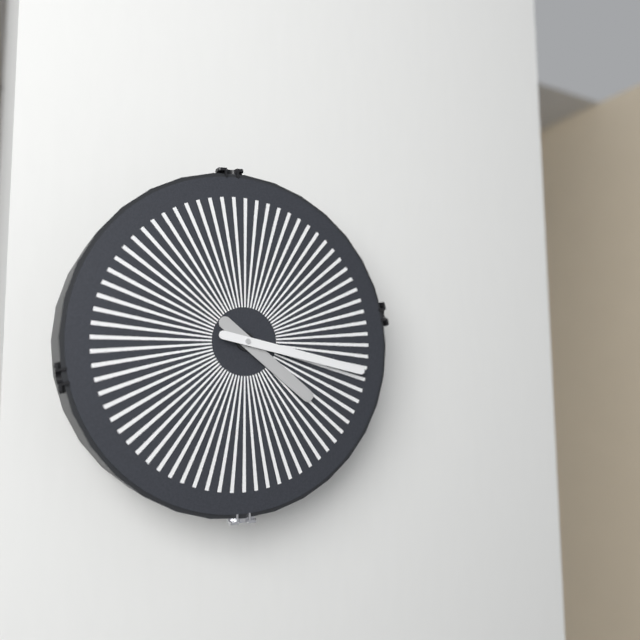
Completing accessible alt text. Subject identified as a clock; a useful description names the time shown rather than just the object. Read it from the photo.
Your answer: 4:17
